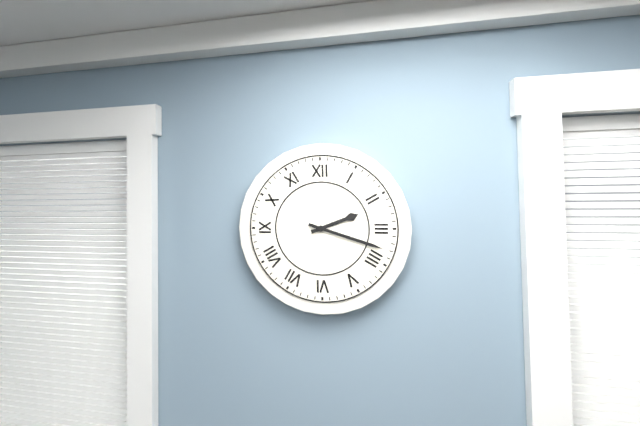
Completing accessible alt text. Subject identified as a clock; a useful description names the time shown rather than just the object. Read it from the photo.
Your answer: 2:18
